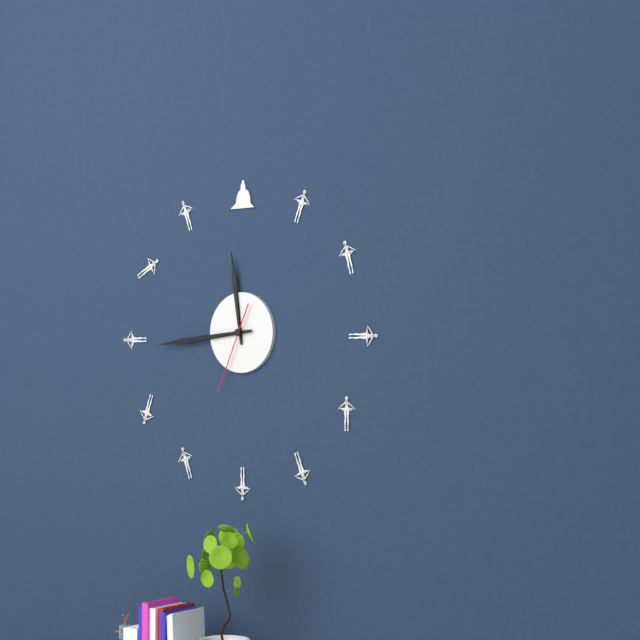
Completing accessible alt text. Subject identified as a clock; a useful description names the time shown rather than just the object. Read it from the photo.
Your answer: 11:44:34
